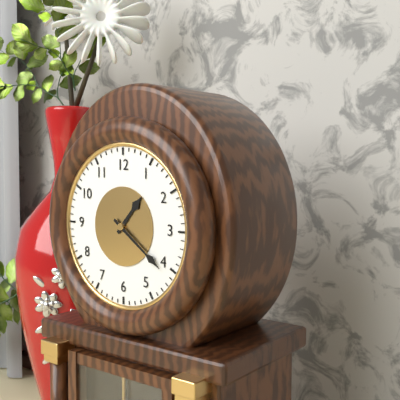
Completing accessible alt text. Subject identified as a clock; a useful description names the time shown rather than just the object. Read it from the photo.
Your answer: 1:21
